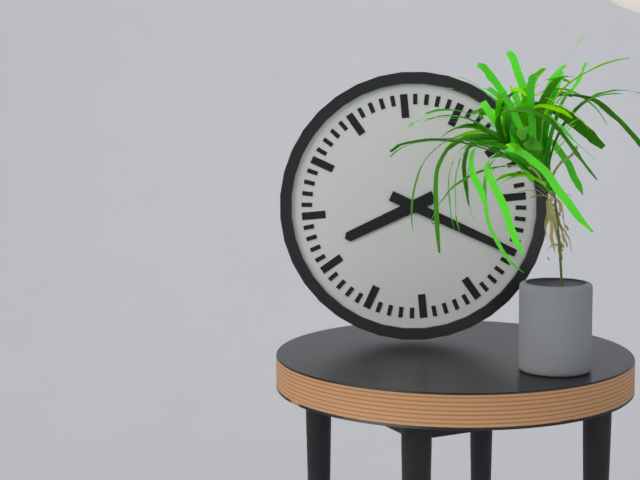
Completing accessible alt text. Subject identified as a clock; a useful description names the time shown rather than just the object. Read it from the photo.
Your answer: 8:20
